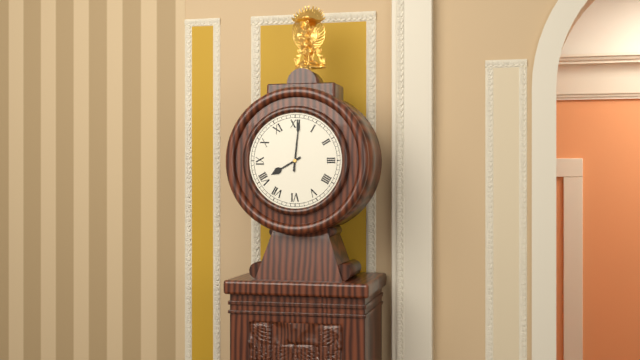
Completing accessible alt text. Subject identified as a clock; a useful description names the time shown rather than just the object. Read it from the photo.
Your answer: 8:01
